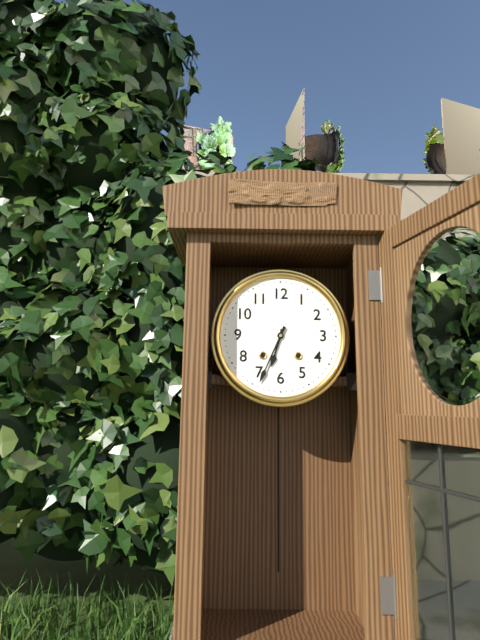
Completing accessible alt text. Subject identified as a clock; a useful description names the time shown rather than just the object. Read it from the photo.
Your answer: 6:34
